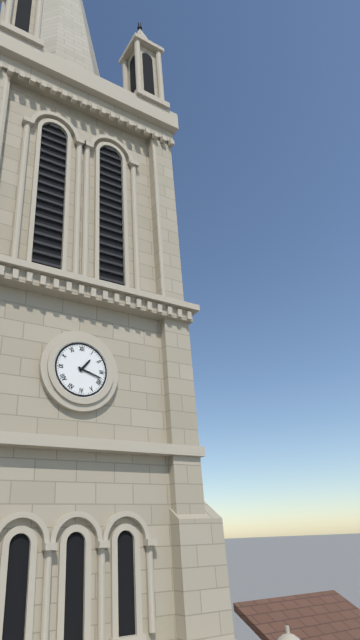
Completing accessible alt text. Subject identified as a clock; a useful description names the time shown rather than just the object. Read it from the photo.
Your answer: 1:18
